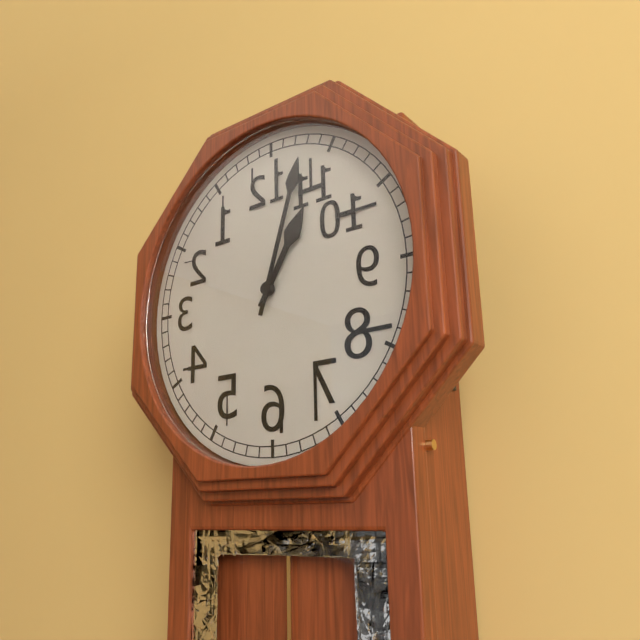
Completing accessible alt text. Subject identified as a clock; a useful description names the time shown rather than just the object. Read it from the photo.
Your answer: 1:03
